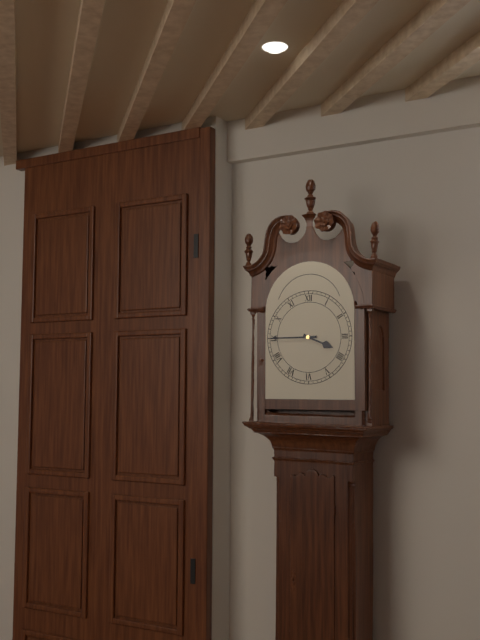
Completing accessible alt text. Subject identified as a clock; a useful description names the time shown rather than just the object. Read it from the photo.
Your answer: 3:45
